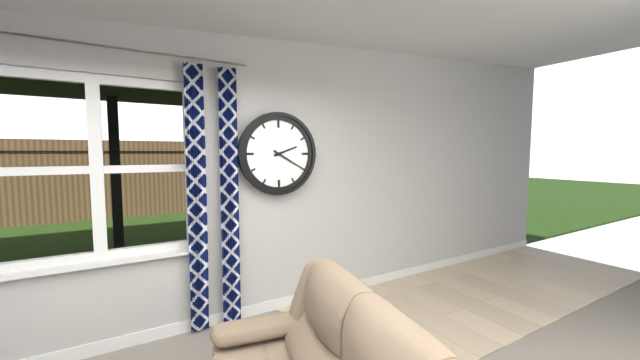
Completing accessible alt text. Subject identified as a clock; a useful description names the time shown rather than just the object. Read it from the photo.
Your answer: 2:20
